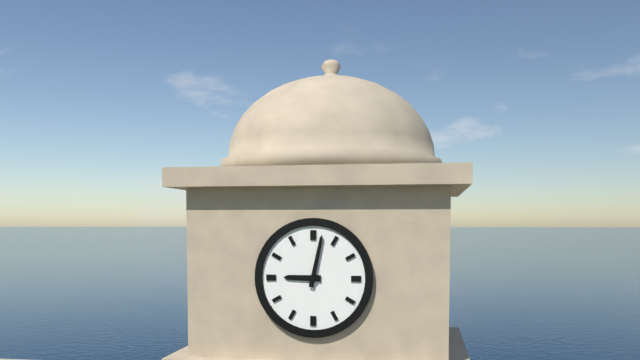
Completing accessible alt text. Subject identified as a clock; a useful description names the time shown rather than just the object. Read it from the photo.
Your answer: 9:02
